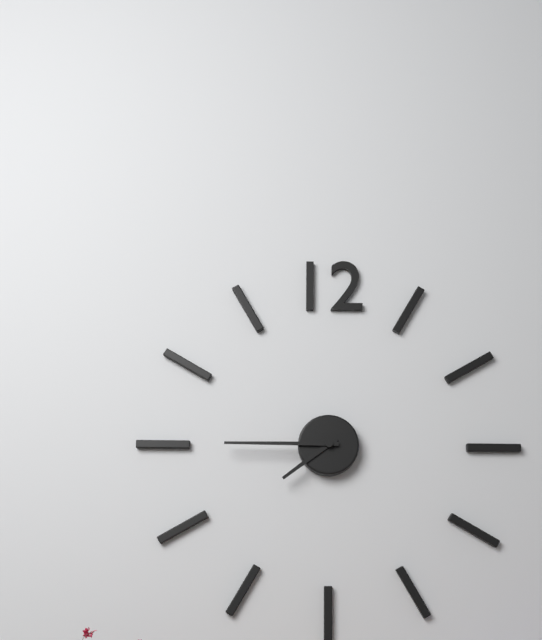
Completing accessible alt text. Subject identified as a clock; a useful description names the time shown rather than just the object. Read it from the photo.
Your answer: 7:45
